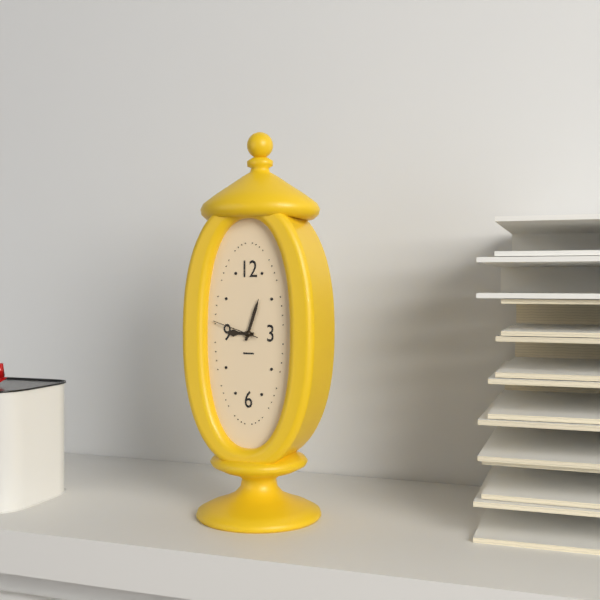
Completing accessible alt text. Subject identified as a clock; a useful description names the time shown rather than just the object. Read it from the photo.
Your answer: 9:03
